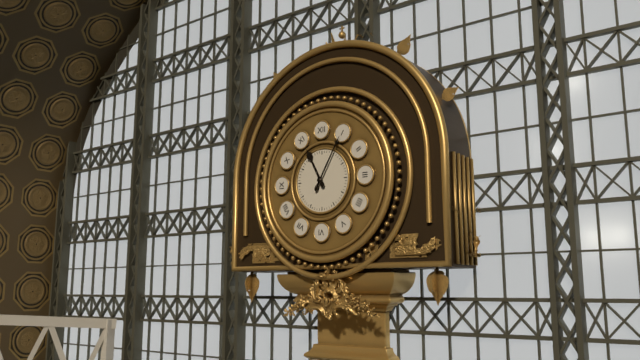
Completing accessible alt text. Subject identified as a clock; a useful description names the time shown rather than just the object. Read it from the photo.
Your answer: 11:05
